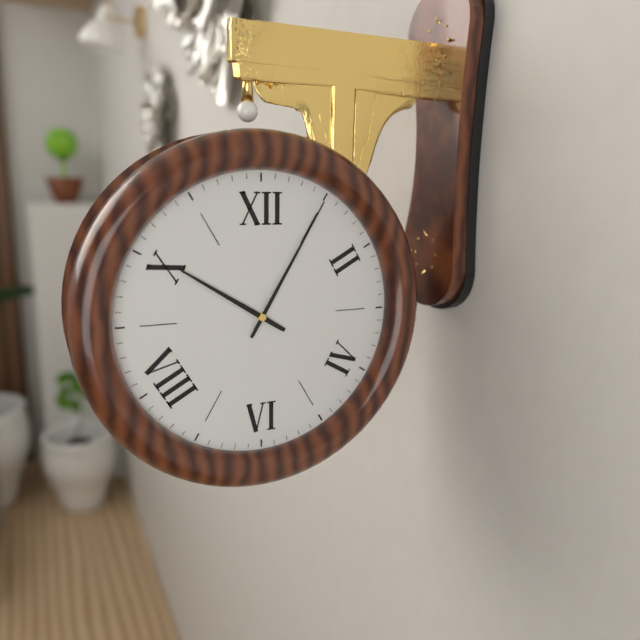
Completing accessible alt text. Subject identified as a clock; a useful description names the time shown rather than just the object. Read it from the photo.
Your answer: 10:05
